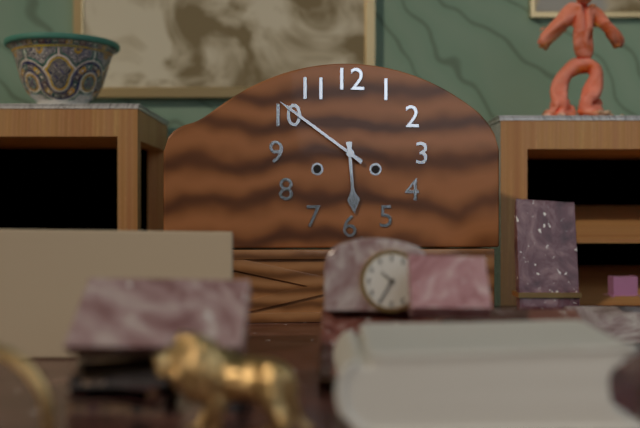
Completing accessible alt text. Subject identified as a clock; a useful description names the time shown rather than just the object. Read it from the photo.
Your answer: 5:51
